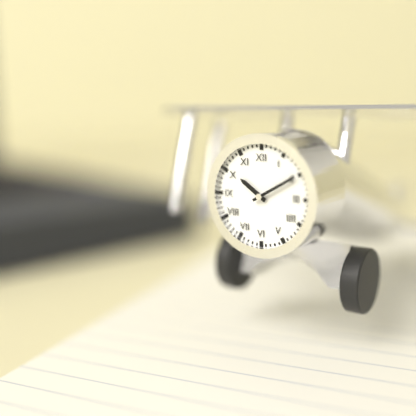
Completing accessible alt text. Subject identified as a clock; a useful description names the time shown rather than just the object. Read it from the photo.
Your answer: 10:10
